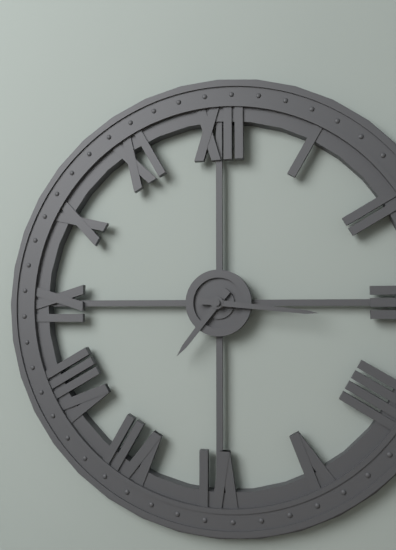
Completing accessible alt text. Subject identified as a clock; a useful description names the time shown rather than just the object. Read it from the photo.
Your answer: 7:16
